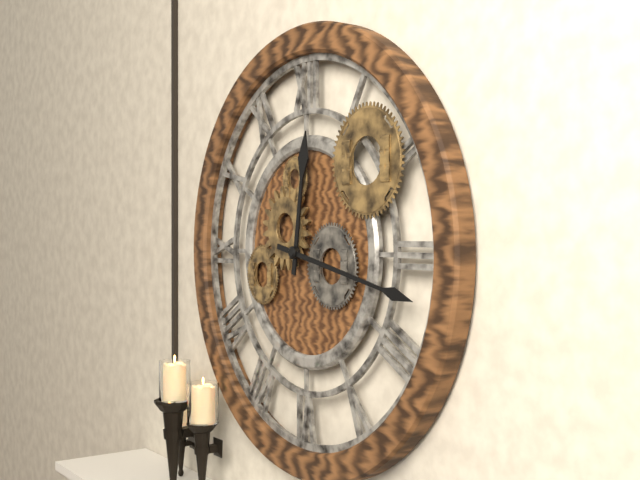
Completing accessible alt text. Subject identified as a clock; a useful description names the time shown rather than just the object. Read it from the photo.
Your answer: 12:17
